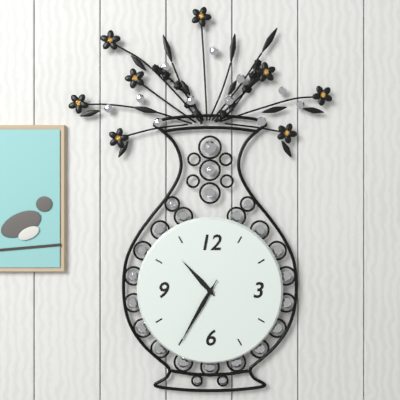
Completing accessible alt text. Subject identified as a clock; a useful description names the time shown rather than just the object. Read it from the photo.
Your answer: 10:35:35
